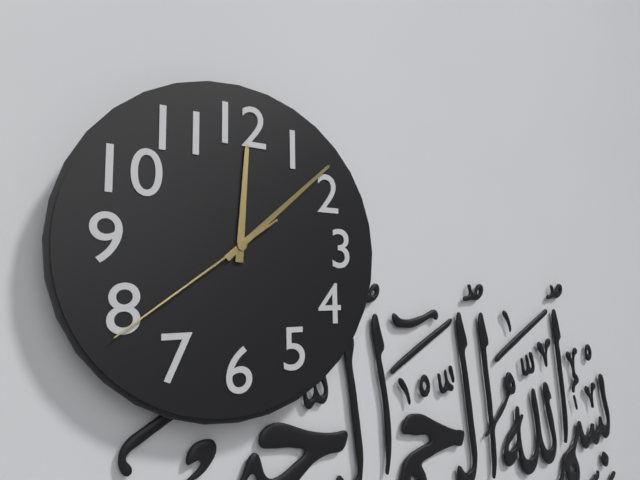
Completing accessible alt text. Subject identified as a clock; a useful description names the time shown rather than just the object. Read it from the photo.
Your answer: 12:08:39
